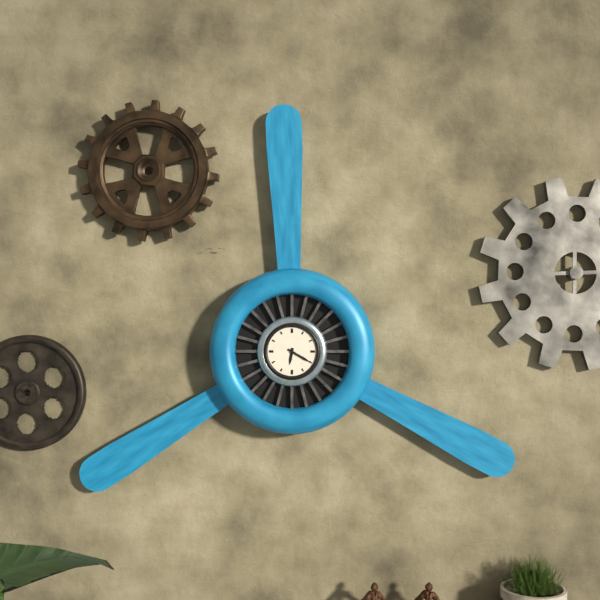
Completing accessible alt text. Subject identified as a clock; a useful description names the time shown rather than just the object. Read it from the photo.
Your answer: 6:20
